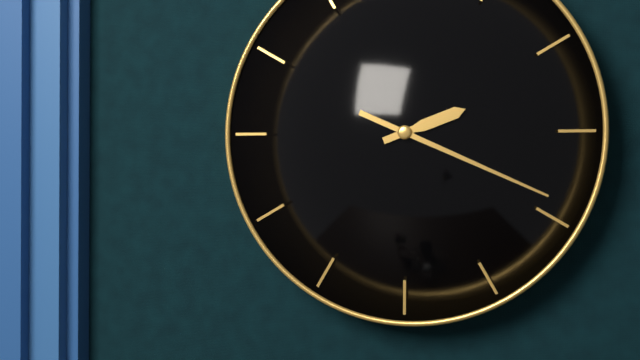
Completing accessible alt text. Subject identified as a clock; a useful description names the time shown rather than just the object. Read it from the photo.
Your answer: 2:19
